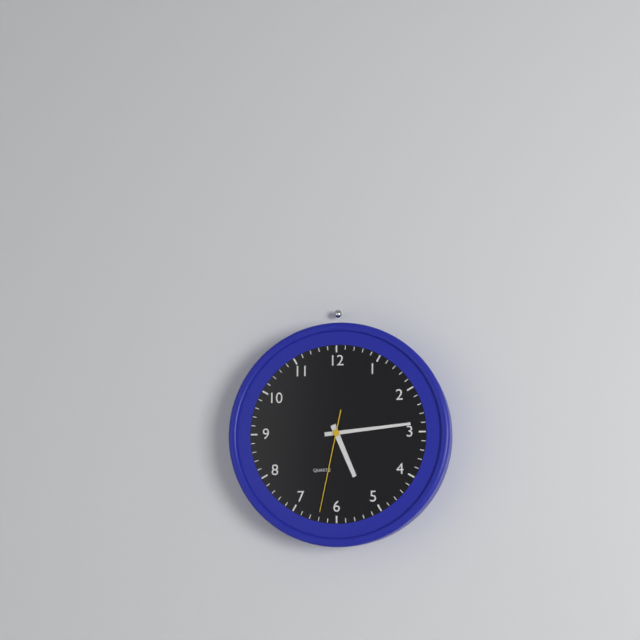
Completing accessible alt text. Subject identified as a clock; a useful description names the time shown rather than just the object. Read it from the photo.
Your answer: 5:14:32
